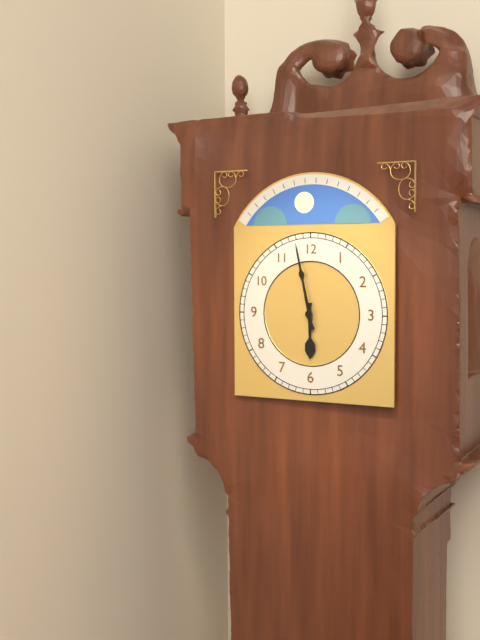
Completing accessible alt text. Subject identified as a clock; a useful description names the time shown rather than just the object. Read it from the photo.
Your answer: 5:58
